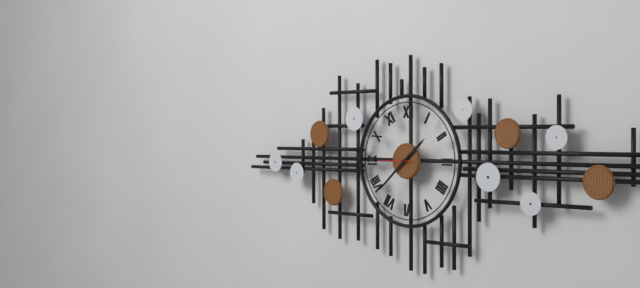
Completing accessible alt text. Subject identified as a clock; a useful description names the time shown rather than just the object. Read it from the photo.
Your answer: 1:38
